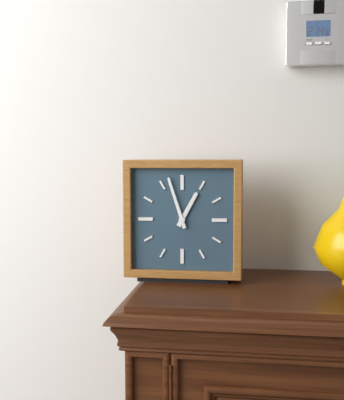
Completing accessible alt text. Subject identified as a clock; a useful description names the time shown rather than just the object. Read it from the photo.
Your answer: 12:57
